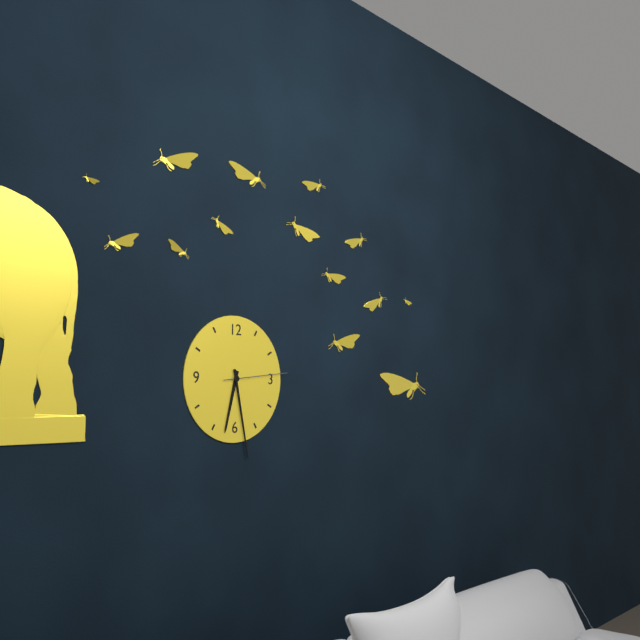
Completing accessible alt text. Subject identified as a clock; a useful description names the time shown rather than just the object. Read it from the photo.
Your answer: 6:28:14
